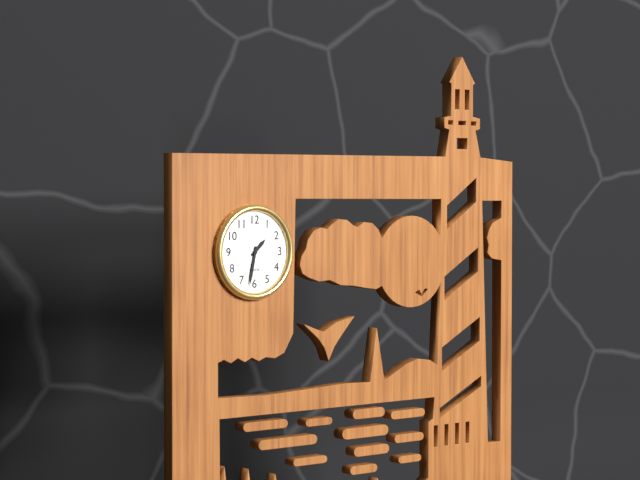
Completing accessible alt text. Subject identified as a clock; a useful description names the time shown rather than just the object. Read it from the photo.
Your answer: 1:32
